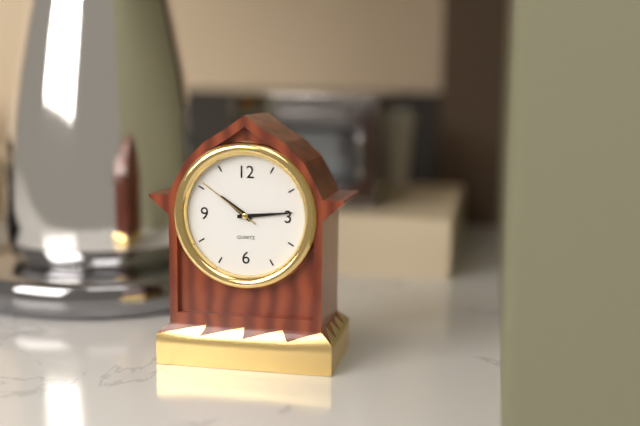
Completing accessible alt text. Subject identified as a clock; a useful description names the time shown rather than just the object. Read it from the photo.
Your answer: 10:14:51
